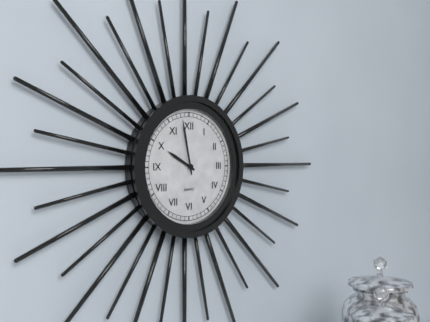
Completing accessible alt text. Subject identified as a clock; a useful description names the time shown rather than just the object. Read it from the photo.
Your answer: 9:58
